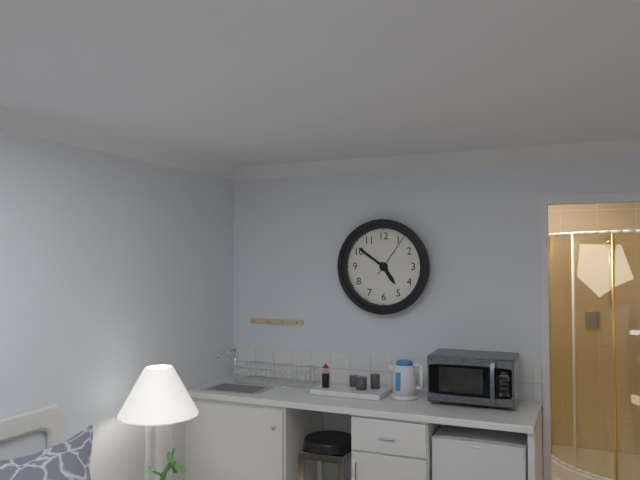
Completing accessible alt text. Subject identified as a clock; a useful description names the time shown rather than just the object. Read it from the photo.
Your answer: 4:51
